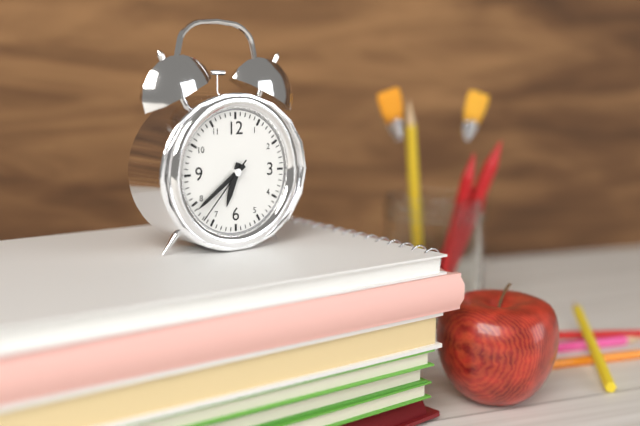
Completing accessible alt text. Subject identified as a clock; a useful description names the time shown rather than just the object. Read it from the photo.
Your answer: 6:39:37
